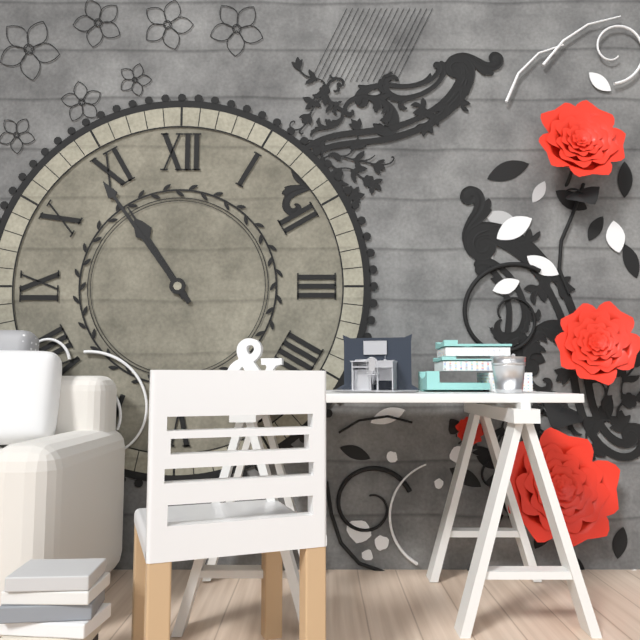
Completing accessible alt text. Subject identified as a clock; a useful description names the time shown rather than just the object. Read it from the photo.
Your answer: 10:54
